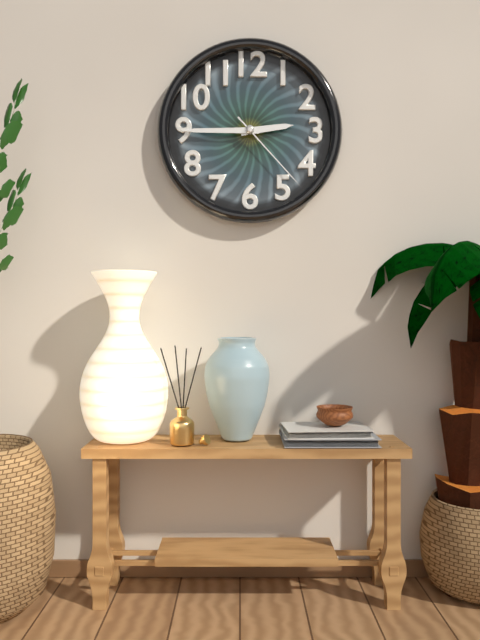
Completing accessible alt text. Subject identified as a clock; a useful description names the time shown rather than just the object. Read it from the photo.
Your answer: 2:45:23
